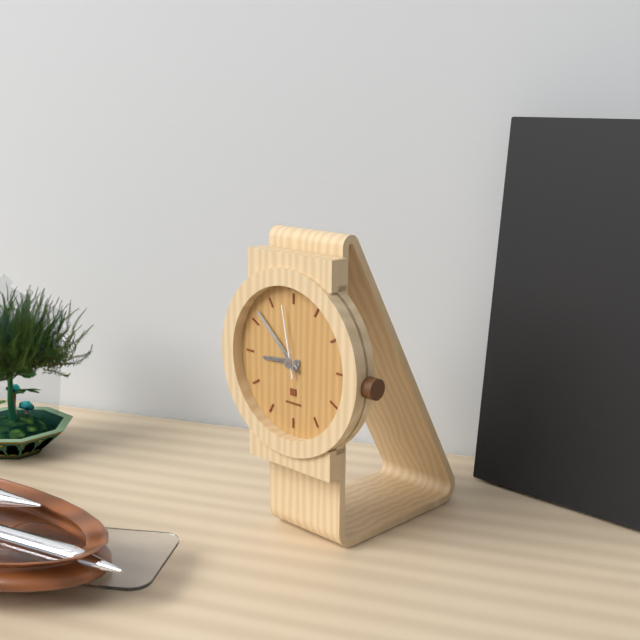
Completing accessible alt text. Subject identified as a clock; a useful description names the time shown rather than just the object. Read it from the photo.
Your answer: 8:52:58
